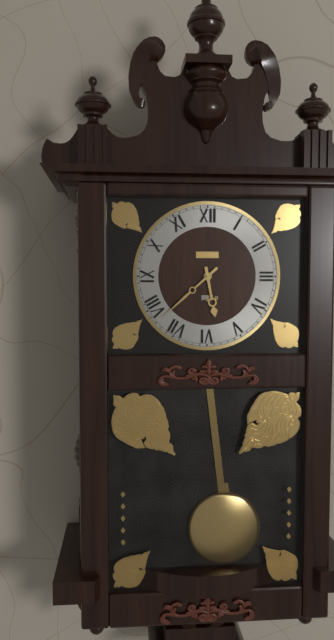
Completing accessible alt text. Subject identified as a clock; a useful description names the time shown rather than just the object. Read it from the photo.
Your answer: 5:38
